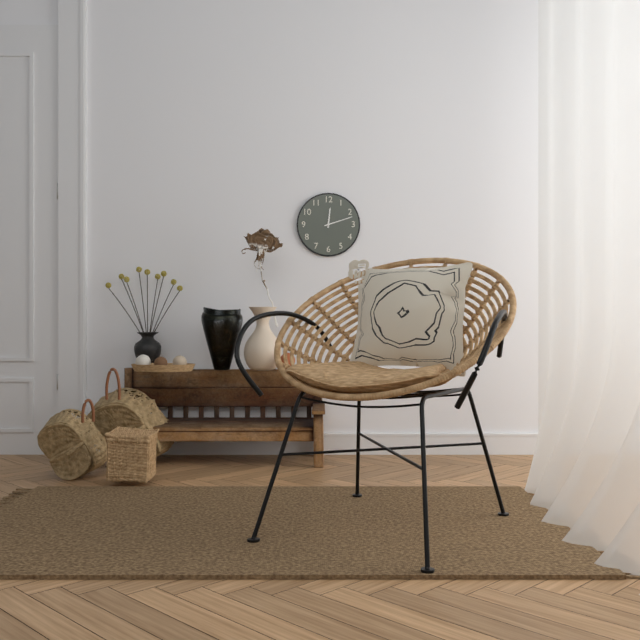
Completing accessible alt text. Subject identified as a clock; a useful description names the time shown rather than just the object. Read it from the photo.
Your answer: 12:12
